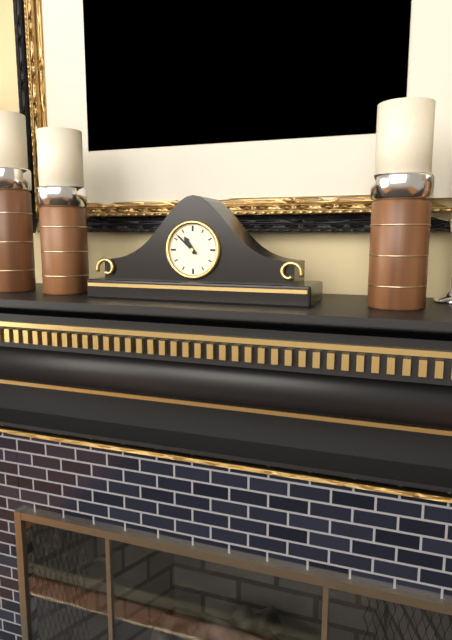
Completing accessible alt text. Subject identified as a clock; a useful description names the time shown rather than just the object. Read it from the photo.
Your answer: 10:52
